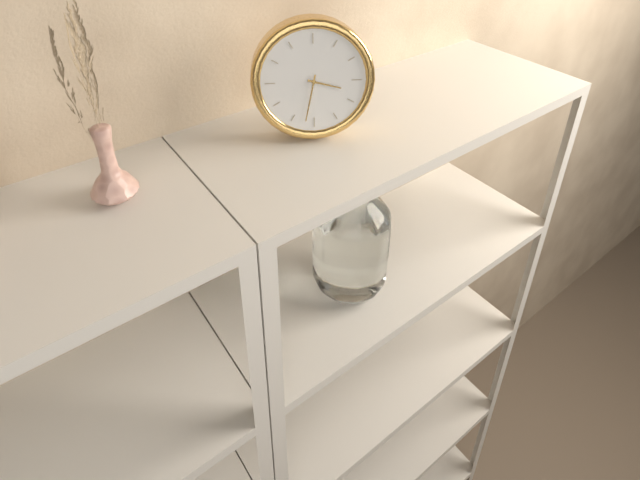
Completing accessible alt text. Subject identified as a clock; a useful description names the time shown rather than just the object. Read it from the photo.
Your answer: 3:32
